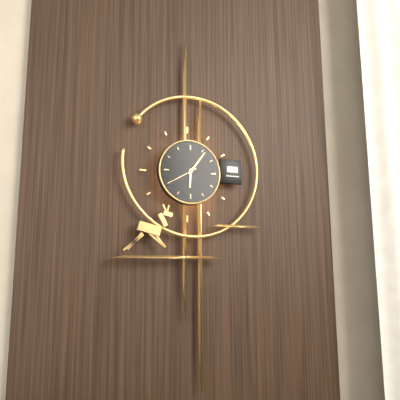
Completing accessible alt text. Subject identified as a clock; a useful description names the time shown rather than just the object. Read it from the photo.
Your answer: 6:06
